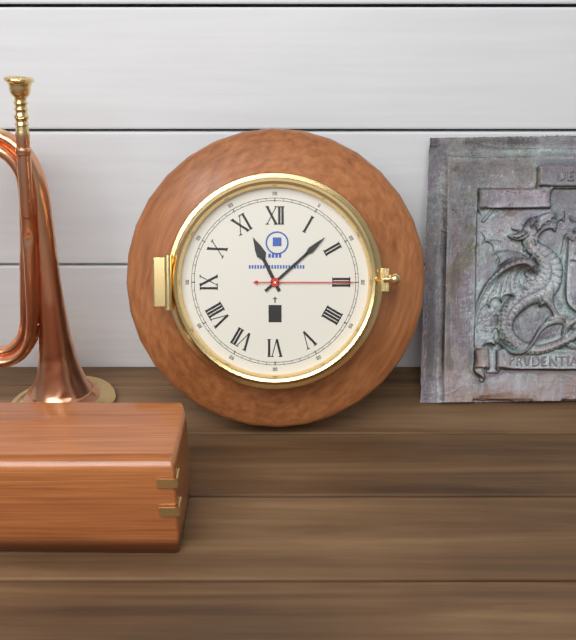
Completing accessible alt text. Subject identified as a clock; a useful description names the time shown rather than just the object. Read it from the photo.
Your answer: 11:08:15
